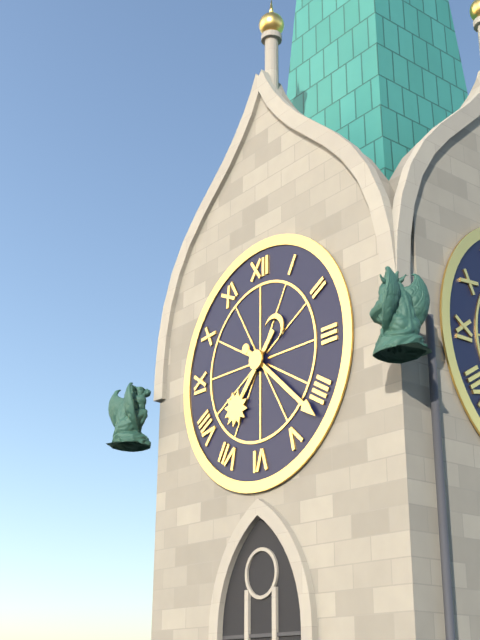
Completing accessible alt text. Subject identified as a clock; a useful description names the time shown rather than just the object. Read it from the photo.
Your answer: 7:22
